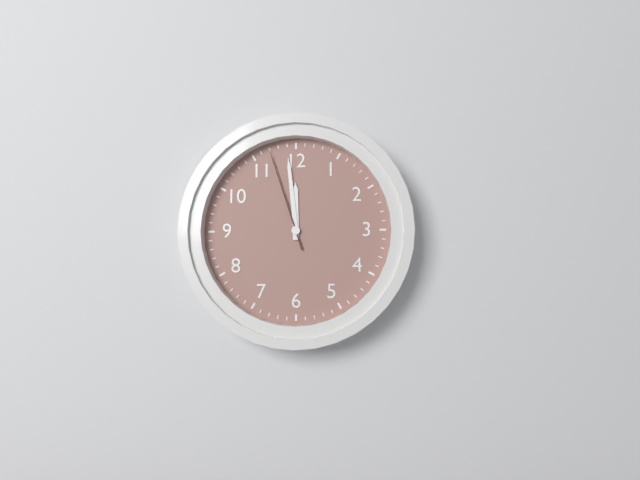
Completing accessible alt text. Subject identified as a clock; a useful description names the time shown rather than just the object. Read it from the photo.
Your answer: 11:59:57
